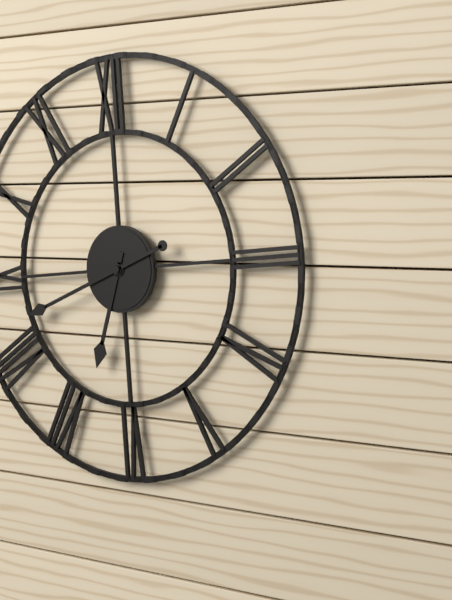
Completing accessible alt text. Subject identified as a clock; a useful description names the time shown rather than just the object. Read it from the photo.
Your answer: 6:42
